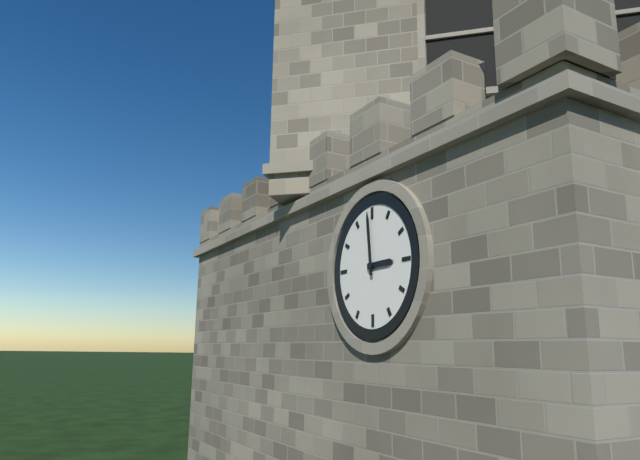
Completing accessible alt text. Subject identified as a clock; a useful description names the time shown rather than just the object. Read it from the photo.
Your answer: 2:59
